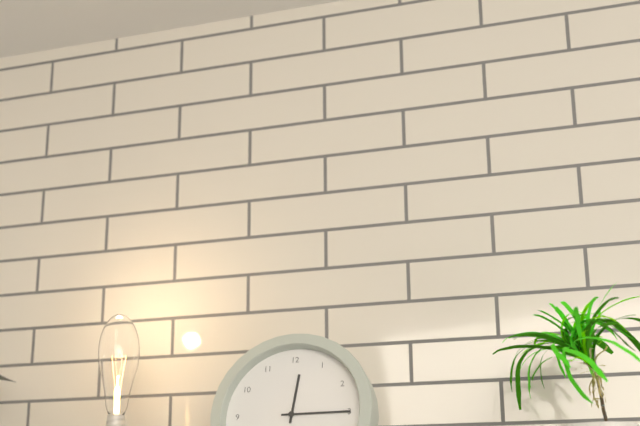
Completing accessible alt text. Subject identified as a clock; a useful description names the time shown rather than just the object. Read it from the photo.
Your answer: 12:15
